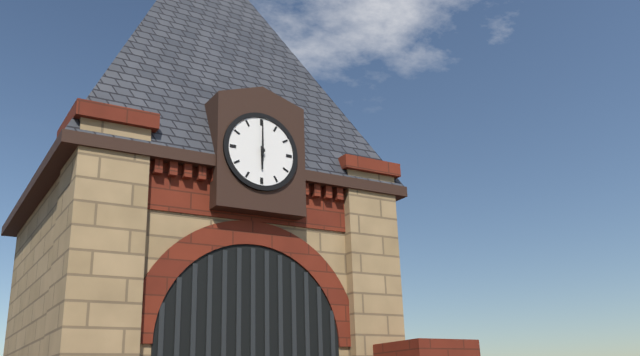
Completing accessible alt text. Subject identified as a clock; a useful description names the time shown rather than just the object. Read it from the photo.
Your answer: 6:00
